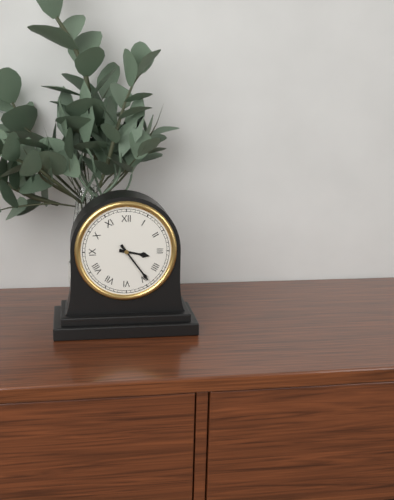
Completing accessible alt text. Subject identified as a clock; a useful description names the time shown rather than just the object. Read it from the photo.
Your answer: 3:24
